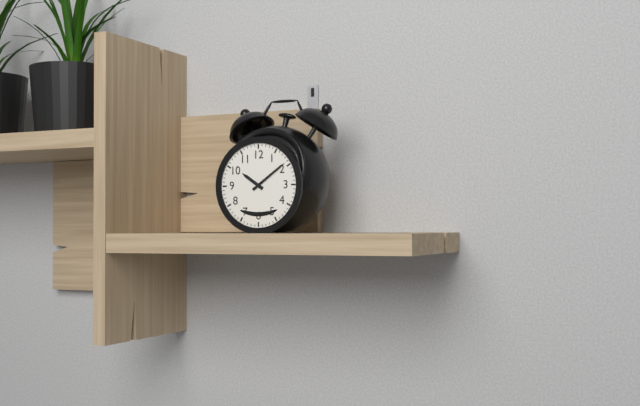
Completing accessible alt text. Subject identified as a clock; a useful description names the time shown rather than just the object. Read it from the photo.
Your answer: 10:09
